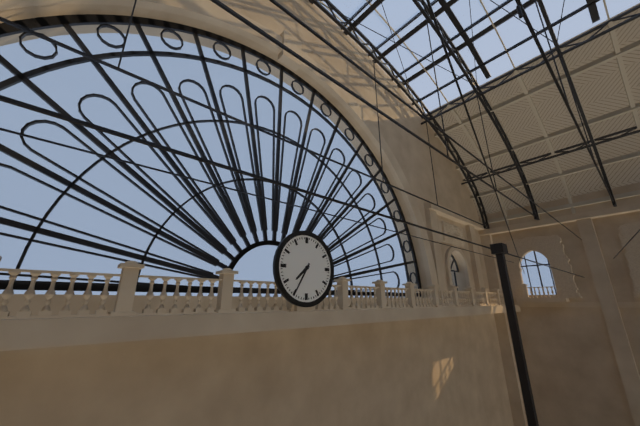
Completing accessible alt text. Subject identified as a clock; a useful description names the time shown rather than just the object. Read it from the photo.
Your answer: 7:35
